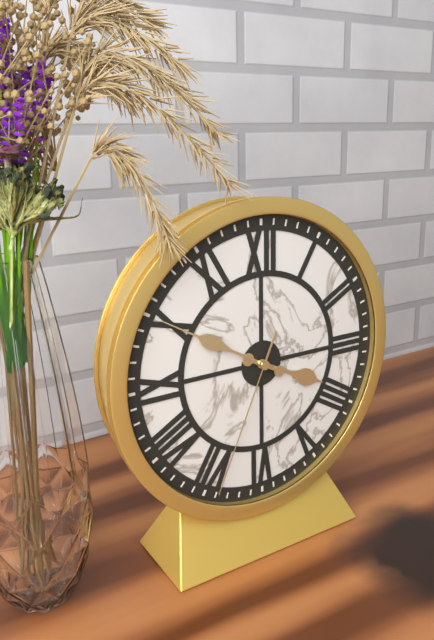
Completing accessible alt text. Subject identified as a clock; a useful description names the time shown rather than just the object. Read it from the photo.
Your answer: 3:50:34
